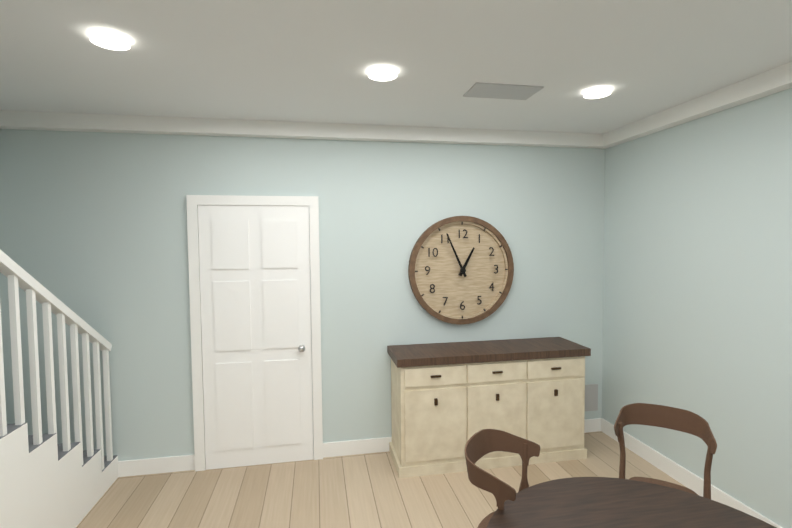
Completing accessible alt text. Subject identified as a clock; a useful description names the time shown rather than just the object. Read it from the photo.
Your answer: 12:56
